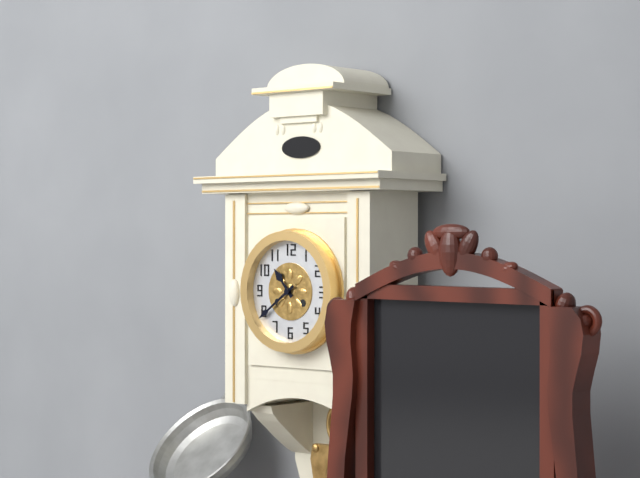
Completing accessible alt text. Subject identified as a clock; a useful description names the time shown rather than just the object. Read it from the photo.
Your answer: 10:39
